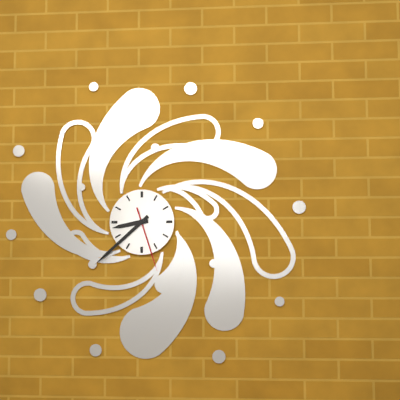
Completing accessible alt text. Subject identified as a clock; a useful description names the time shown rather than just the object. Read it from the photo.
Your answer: 8:38:27
